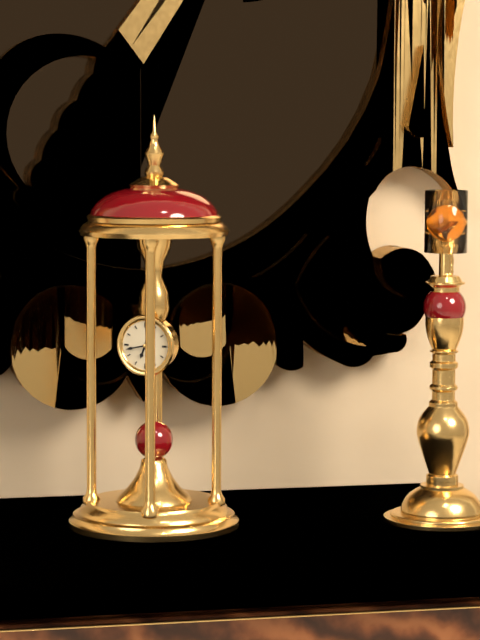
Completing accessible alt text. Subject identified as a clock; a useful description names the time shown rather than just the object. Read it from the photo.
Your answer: 6:43
